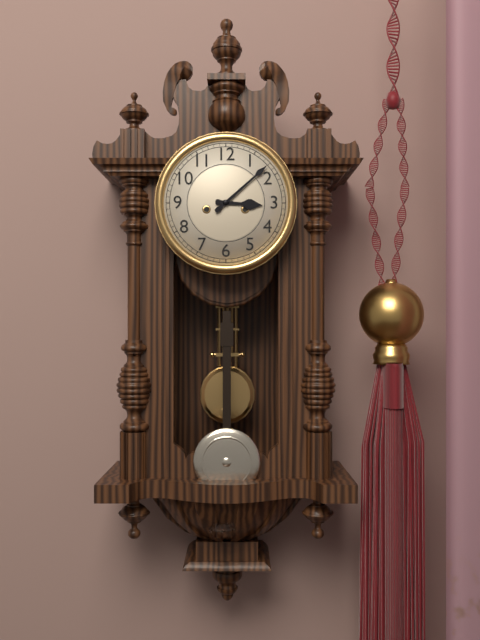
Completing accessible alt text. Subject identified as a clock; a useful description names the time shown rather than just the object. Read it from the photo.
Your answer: 3:08
